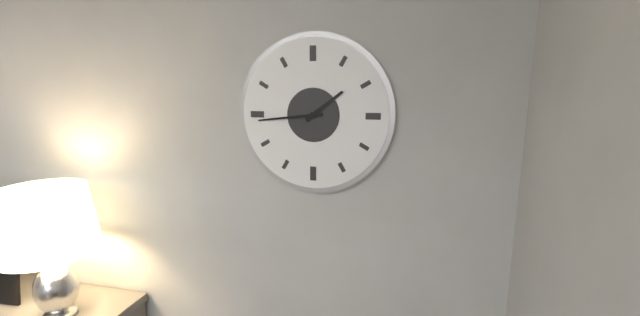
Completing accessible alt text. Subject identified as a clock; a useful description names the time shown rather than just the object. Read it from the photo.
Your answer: 1:44
